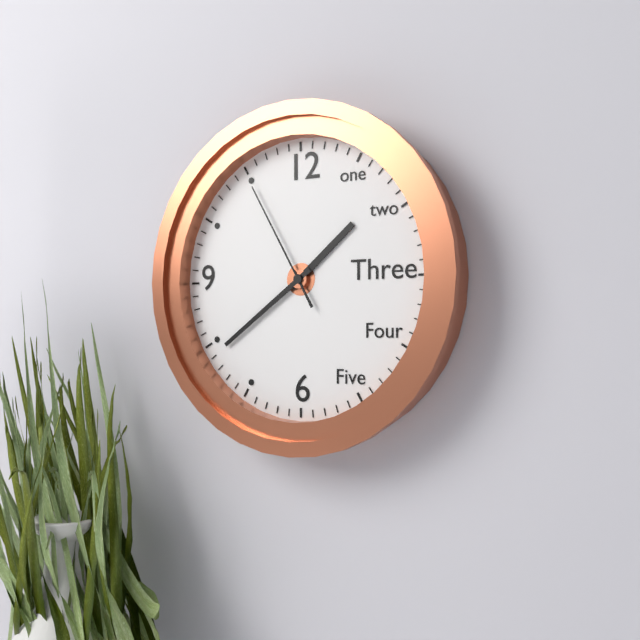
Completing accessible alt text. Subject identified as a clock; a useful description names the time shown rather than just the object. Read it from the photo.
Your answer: 1:39:55
